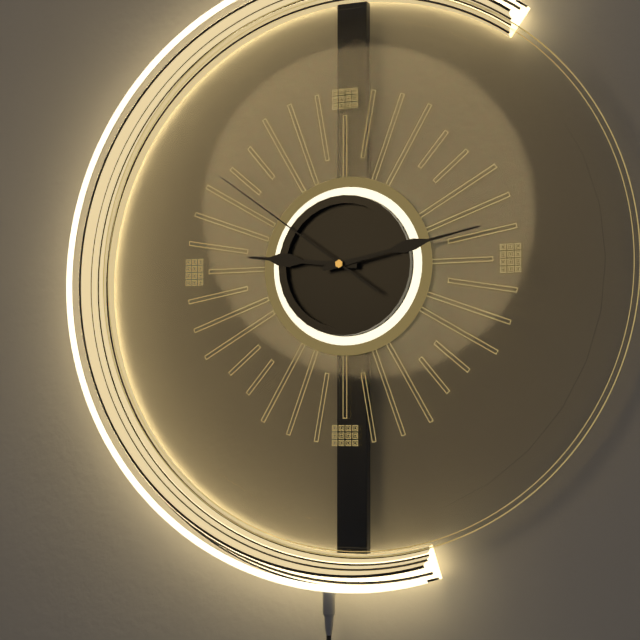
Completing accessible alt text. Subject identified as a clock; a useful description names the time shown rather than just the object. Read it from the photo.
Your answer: 9:13:51
